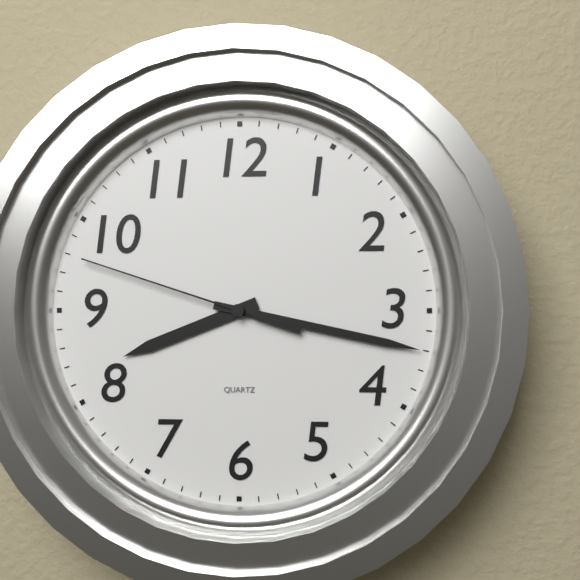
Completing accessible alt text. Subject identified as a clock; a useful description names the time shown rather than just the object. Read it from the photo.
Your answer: 8:17:48
